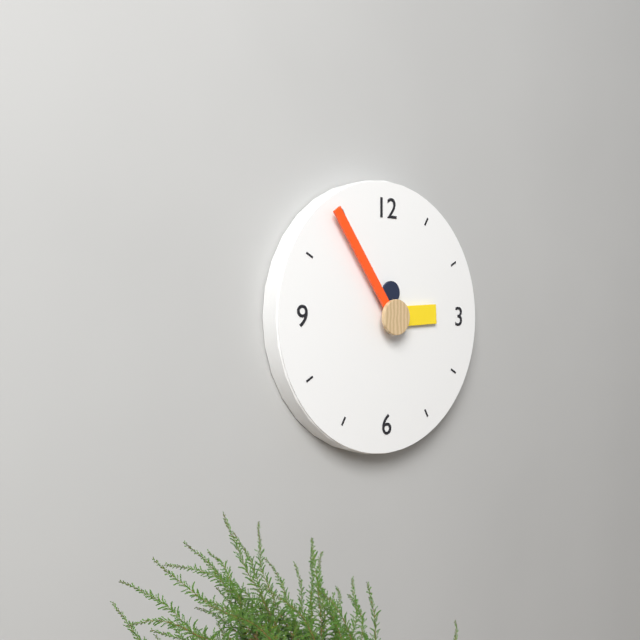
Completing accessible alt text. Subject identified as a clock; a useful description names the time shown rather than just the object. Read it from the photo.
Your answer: 2:54
